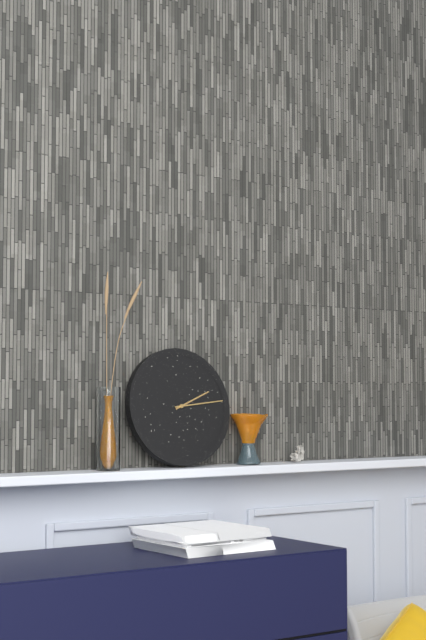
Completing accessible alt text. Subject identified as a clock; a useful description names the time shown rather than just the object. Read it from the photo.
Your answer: 2:14
